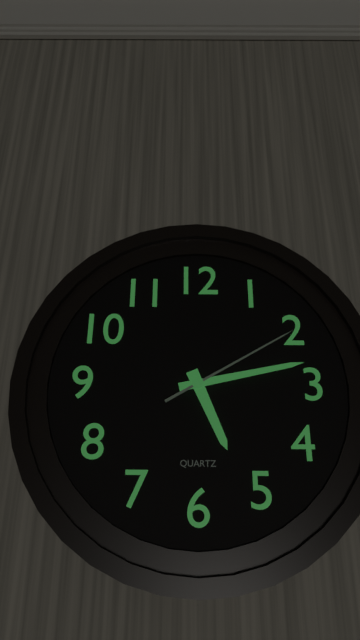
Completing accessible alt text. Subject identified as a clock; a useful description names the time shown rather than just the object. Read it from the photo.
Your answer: 5:13:10
